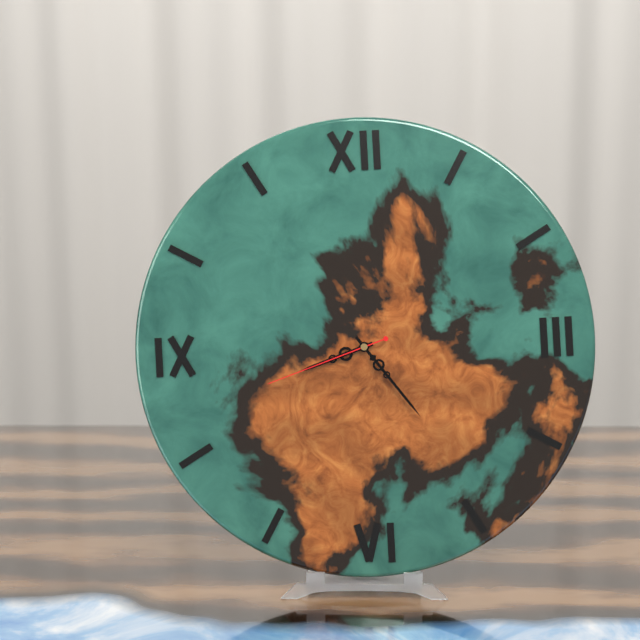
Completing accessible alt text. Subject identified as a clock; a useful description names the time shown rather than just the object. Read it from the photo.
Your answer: 8:24:42
